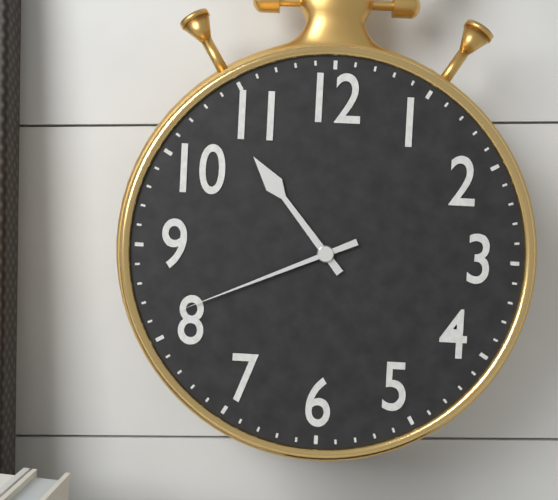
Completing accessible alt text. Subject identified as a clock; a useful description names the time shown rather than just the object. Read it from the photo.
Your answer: 10:41
